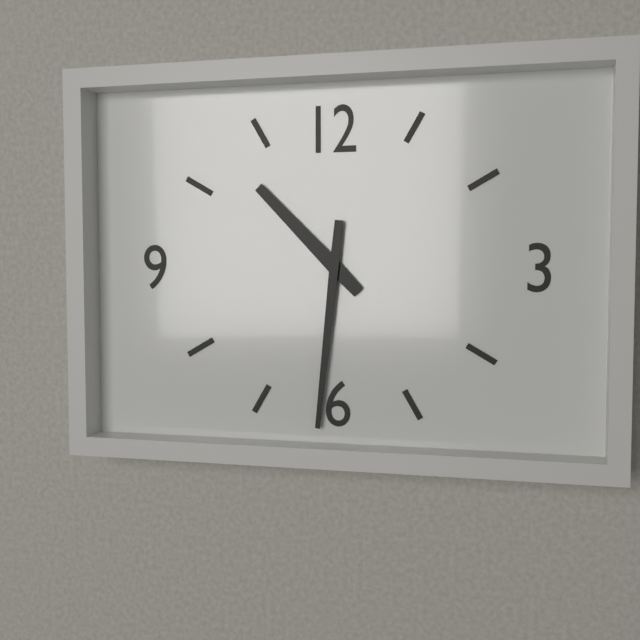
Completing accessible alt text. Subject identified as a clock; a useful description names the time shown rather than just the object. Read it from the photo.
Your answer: 10:31
